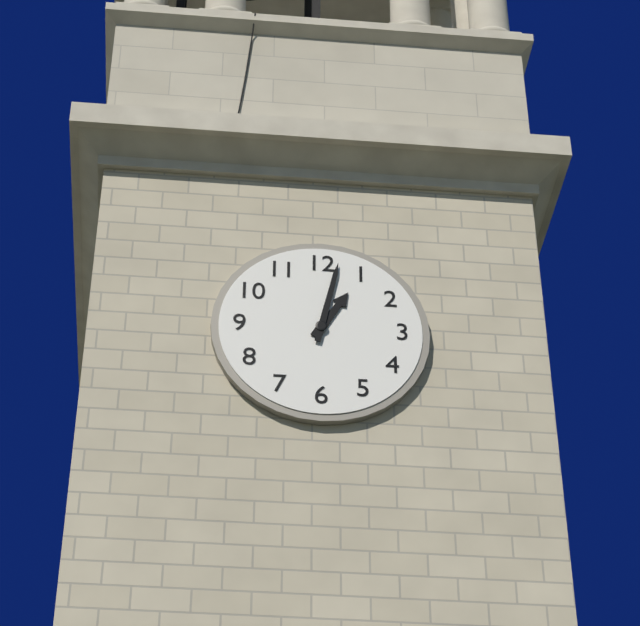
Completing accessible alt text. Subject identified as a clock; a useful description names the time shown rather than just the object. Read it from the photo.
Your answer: 1:02
